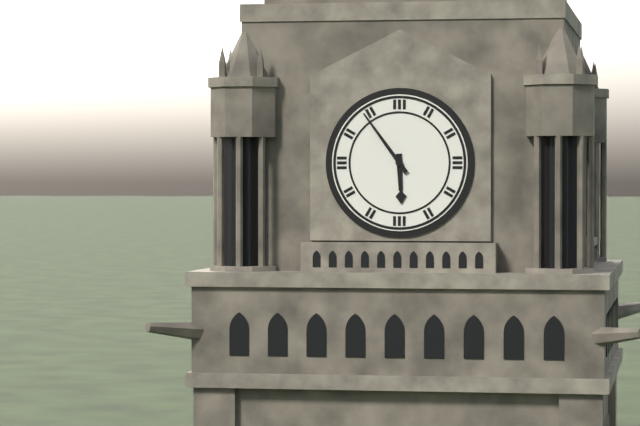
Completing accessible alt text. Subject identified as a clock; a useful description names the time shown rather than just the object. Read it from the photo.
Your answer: 5:54
